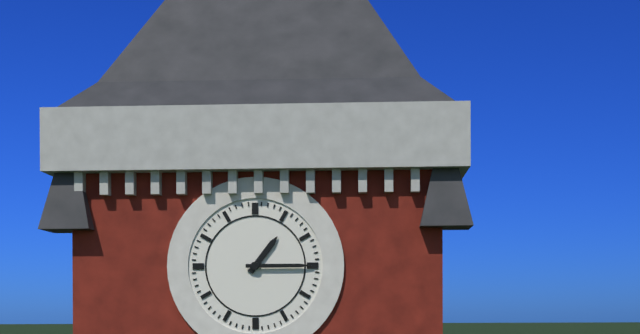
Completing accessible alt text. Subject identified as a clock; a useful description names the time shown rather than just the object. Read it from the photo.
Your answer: 1:15
